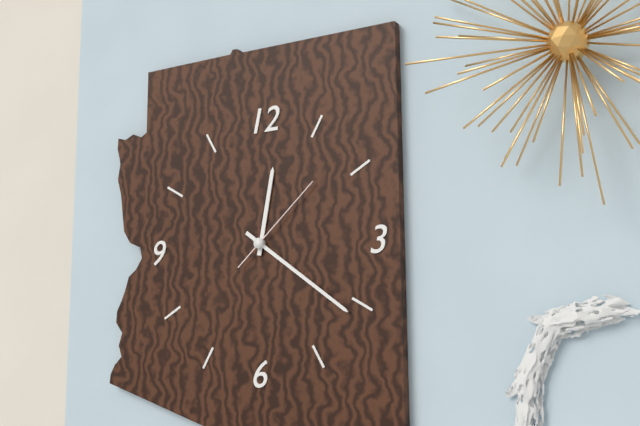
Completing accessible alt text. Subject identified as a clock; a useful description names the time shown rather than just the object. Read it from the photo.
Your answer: 12:21:08
